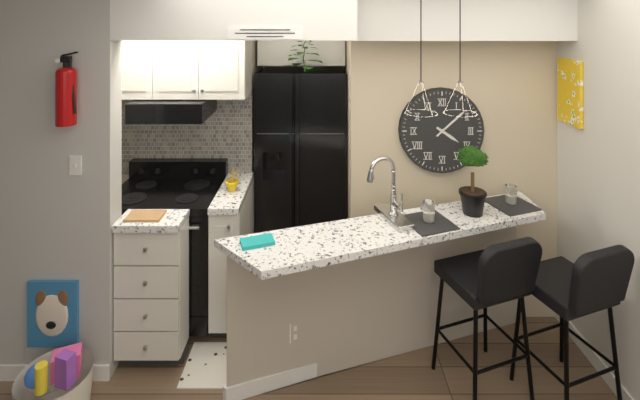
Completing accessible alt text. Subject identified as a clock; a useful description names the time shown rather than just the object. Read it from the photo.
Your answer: 4:08
